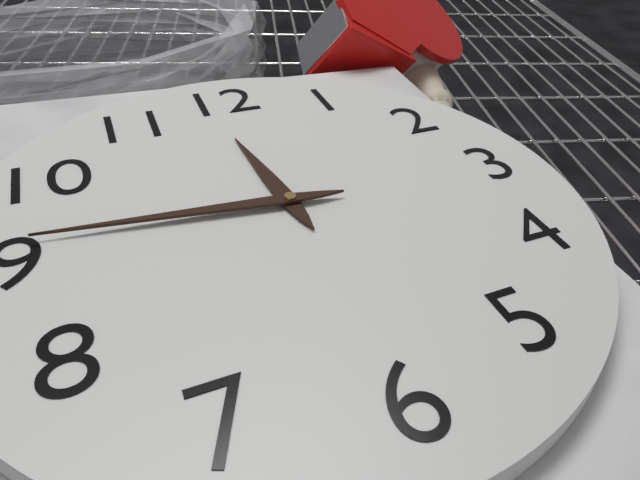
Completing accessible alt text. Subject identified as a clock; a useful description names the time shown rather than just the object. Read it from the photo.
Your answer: 11:46
